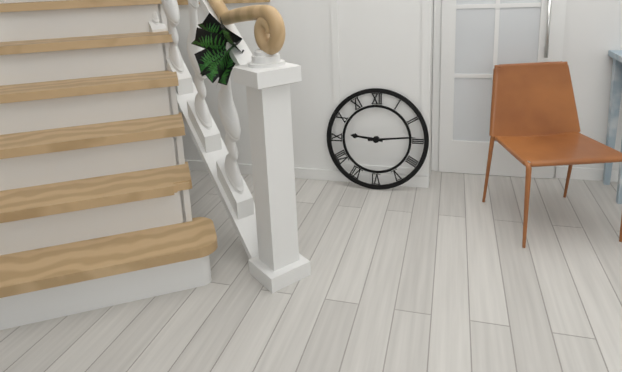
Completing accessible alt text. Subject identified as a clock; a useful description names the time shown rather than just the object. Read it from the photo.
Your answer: 9:14
